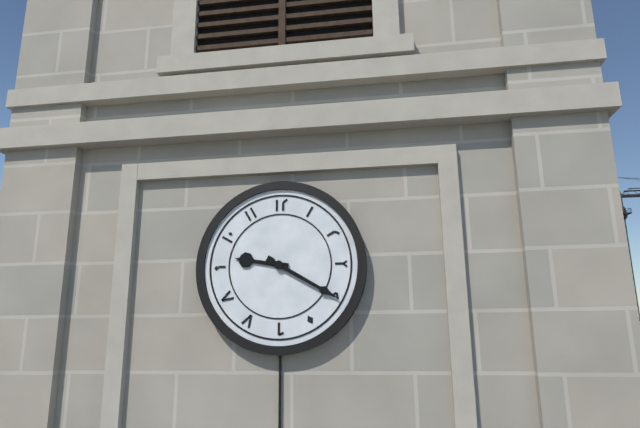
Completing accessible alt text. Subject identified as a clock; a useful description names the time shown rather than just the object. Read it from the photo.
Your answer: 9:20
